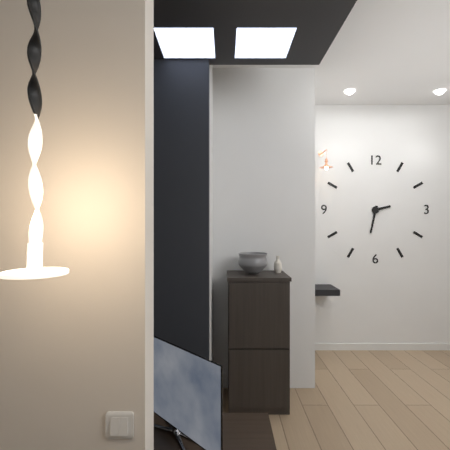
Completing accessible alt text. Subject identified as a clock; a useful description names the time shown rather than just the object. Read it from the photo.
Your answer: 2:32
